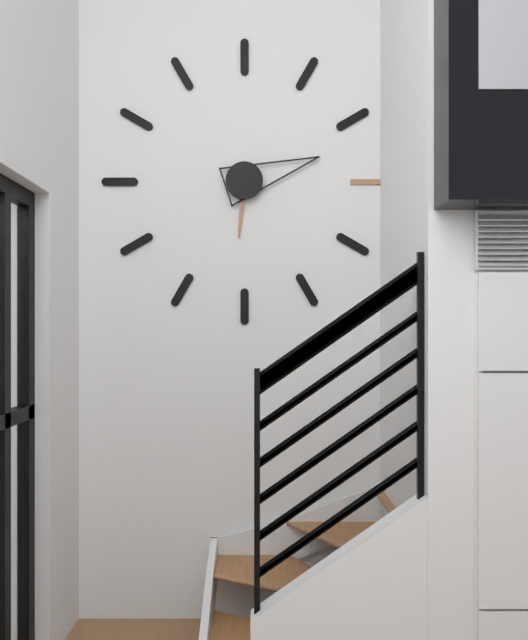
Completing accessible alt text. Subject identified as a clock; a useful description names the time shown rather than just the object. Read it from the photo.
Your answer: 6:12
